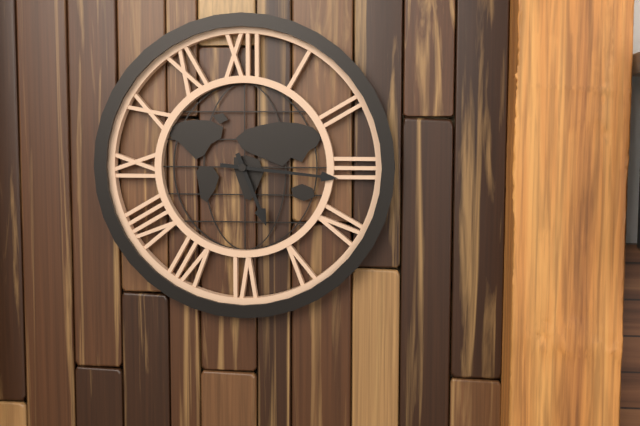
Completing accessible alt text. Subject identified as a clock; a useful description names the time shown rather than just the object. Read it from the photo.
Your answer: 5:16
